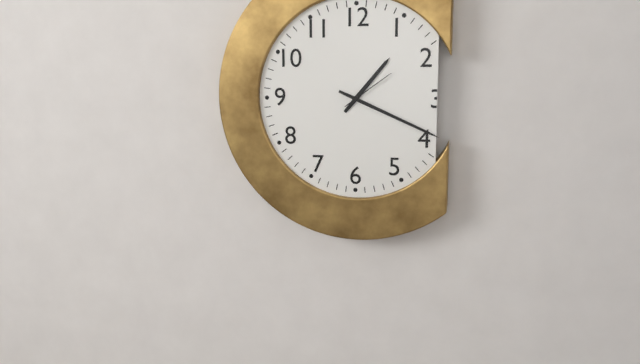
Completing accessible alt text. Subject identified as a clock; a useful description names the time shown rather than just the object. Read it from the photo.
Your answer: 1:19:09
